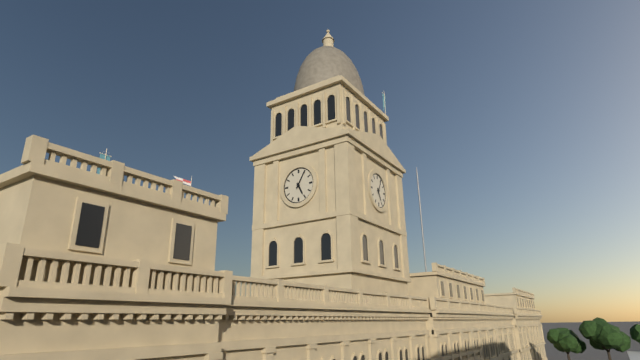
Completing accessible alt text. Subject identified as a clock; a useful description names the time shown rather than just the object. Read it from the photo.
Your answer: 5:05
